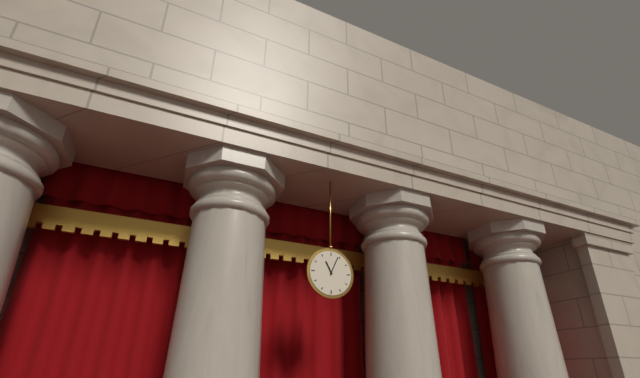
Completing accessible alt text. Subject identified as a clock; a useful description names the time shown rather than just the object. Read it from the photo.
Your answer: 11:04
